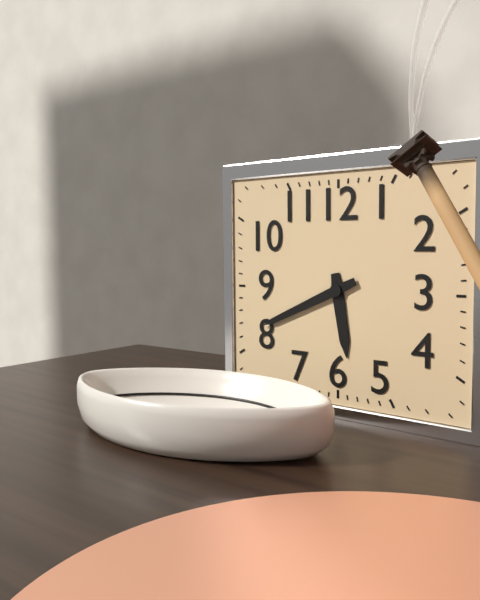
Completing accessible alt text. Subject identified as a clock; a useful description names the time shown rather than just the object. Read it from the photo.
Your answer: 5:41
